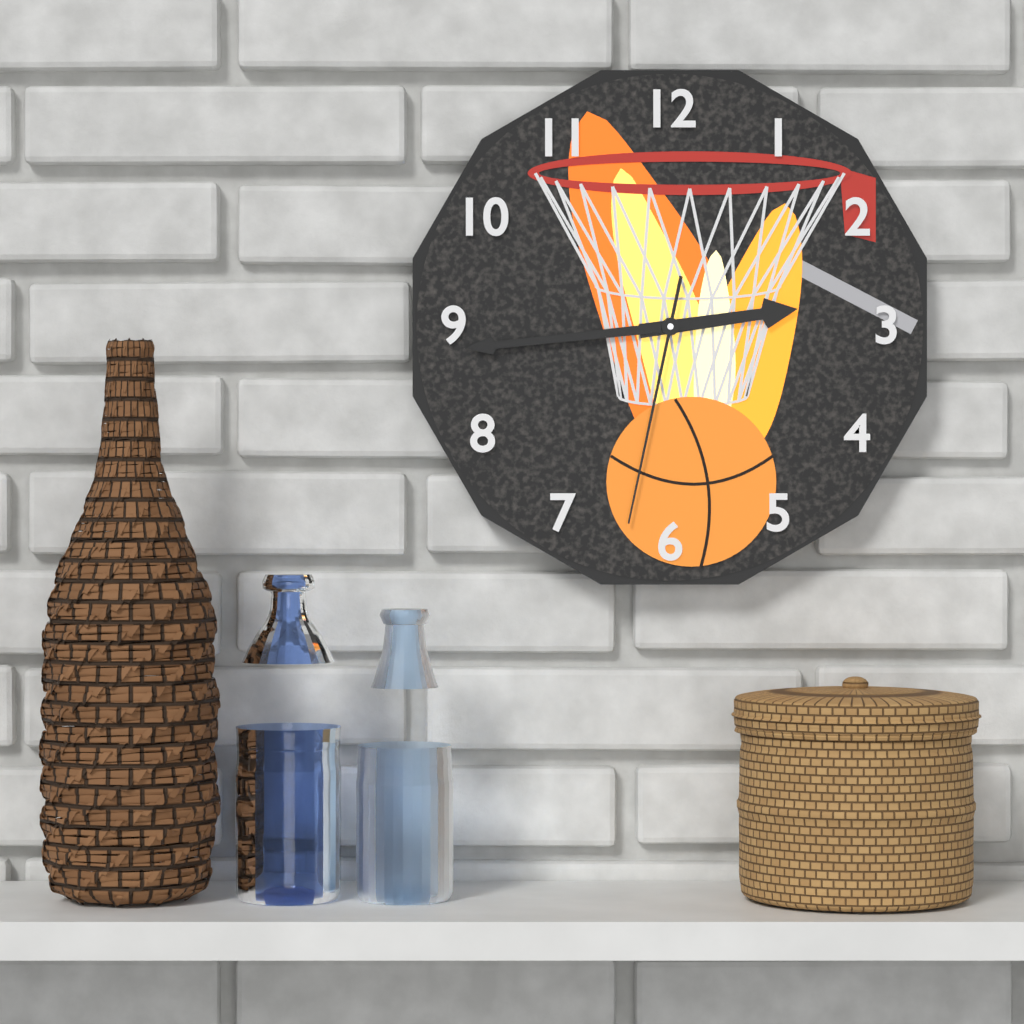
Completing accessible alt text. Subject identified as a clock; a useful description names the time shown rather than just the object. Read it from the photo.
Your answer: 2:44:32
